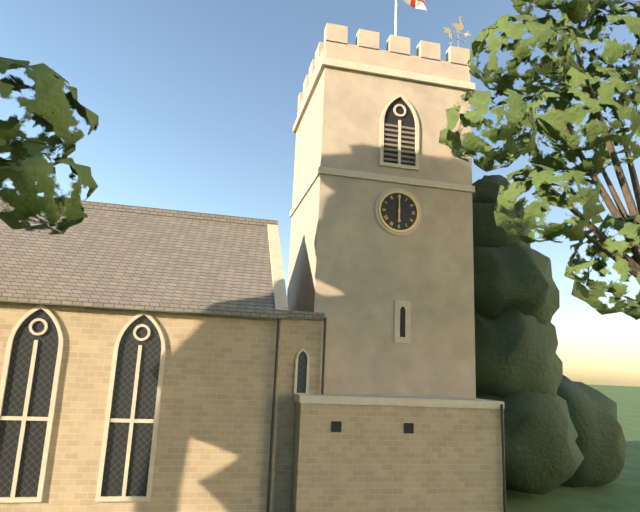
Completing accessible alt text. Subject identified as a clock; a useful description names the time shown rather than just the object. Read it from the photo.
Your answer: 6:00
